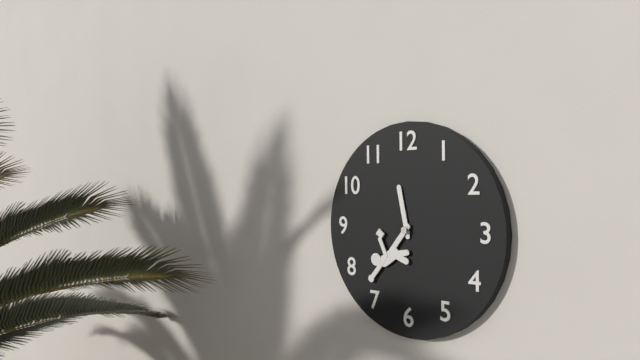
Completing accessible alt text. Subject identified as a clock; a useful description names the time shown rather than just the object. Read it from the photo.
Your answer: 11:36
